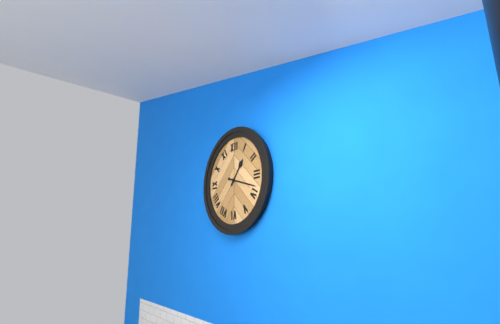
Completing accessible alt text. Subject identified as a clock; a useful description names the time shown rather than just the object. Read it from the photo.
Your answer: 1:18
